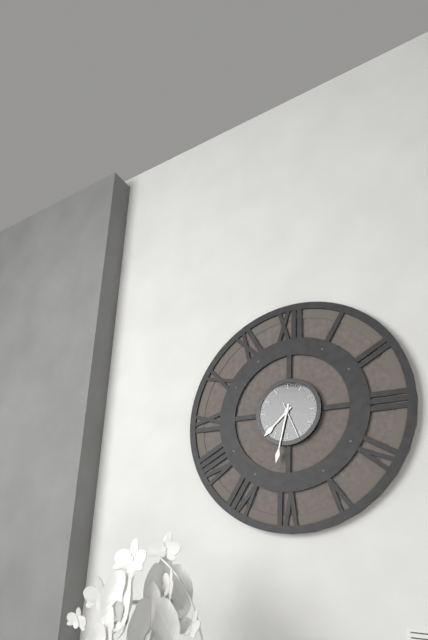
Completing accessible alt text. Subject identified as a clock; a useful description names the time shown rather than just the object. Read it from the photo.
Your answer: 7:32
